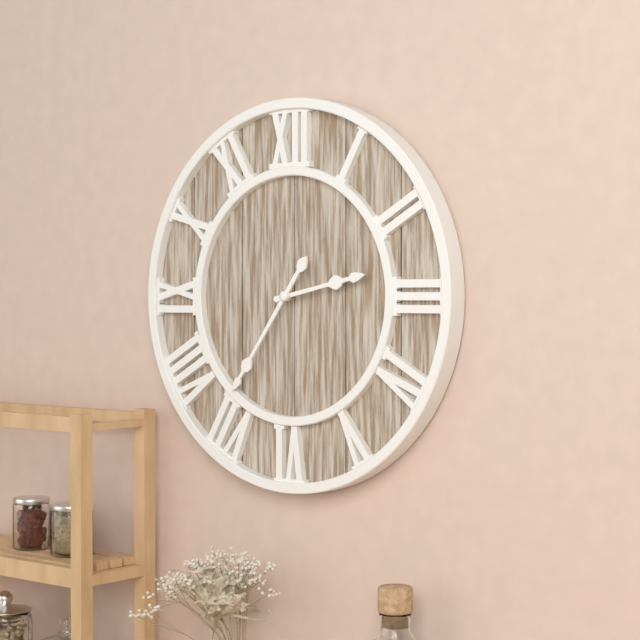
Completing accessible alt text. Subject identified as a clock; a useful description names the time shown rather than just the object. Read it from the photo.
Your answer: 2:36
